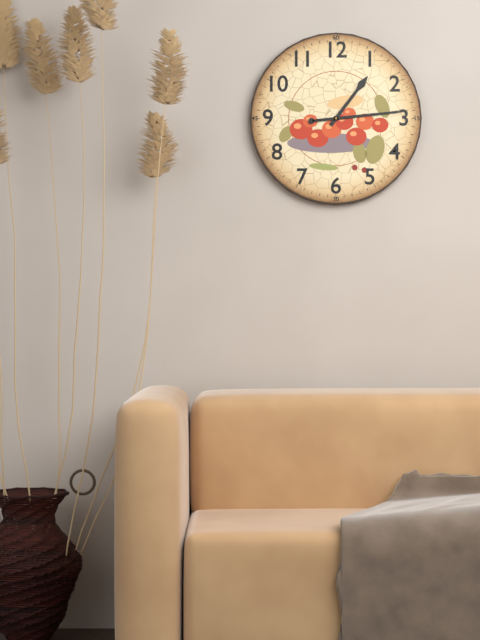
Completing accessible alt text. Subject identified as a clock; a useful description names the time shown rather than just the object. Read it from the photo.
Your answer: 1:14
